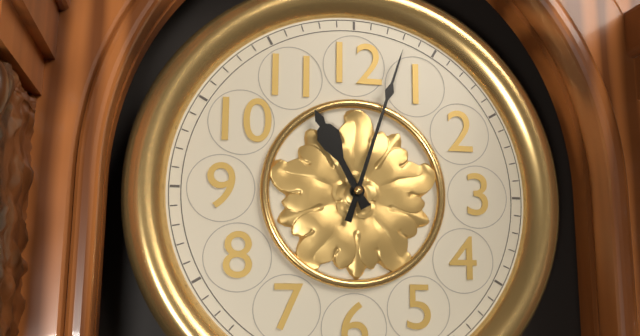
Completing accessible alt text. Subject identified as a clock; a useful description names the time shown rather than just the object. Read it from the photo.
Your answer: 11:03
